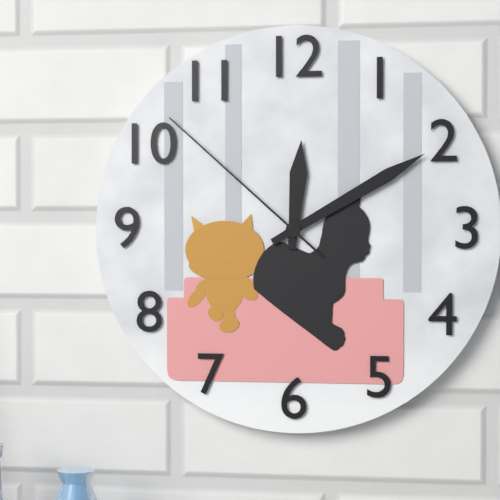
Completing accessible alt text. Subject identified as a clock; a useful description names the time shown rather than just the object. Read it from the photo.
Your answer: 12:10:52
